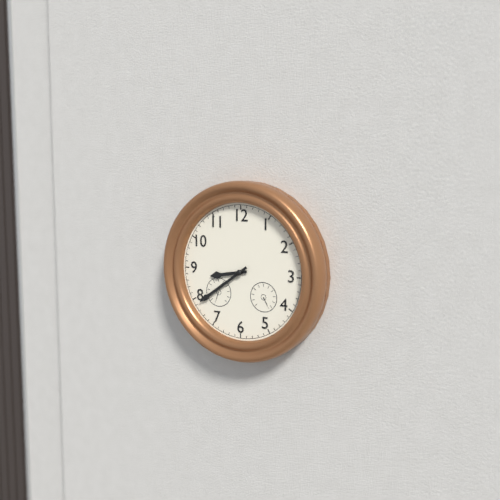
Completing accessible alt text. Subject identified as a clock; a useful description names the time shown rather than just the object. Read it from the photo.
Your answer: 8:39
